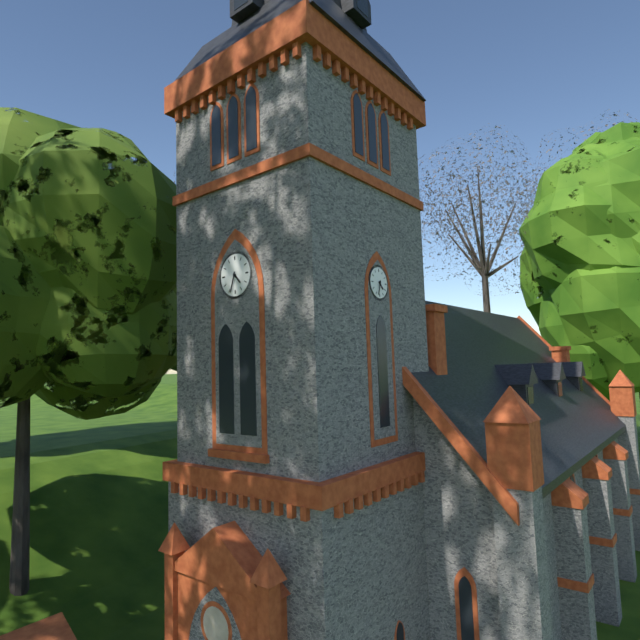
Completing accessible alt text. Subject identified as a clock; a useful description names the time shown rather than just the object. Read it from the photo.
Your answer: 4:33
